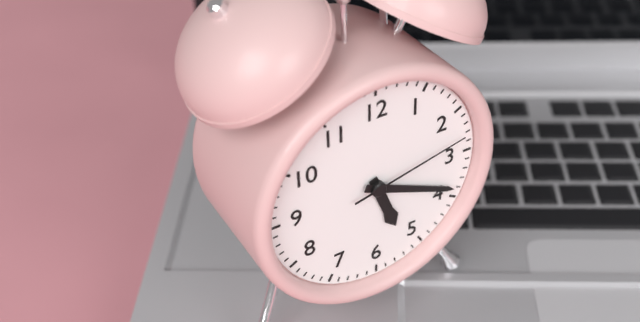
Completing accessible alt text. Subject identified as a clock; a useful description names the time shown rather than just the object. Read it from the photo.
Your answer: 5:19:13
